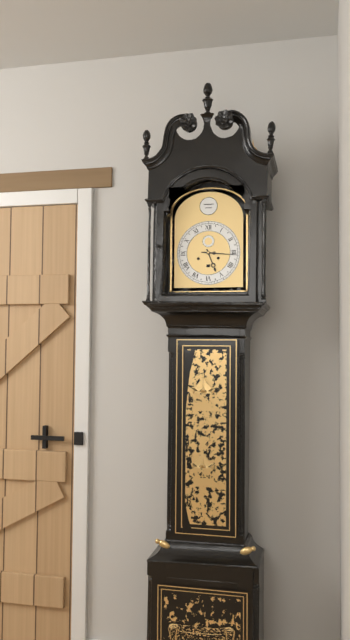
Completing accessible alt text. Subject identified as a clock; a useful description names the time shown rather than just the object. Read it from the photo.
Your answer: 5:16
